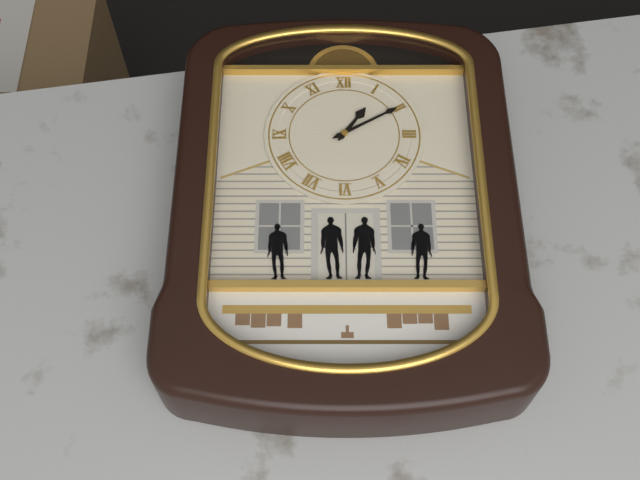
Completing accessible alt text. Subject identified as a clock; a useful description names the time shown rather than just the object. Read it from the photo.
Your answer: 1:10
